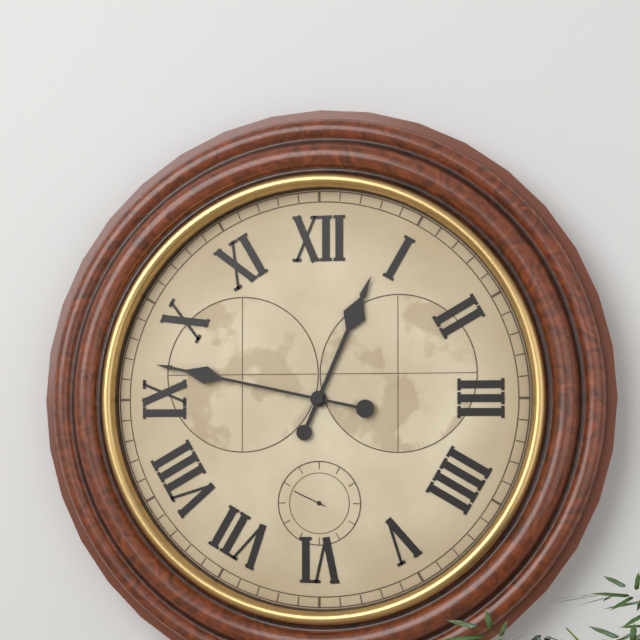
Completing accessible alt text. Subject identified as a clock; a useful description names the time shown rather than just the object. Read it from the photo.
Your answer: 12:47
